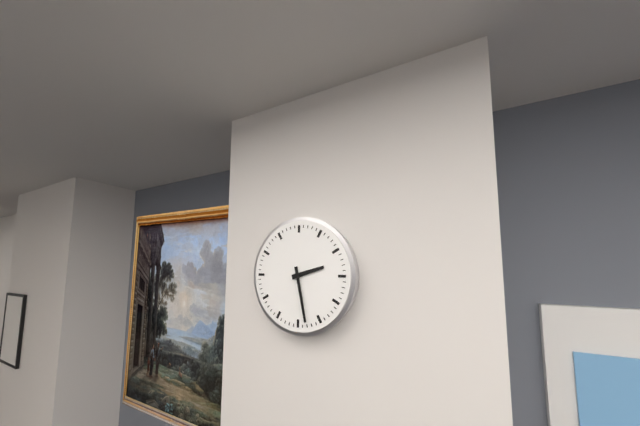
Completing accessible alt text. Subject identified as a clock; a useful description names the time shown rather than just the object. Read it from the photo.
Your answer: 2:28
